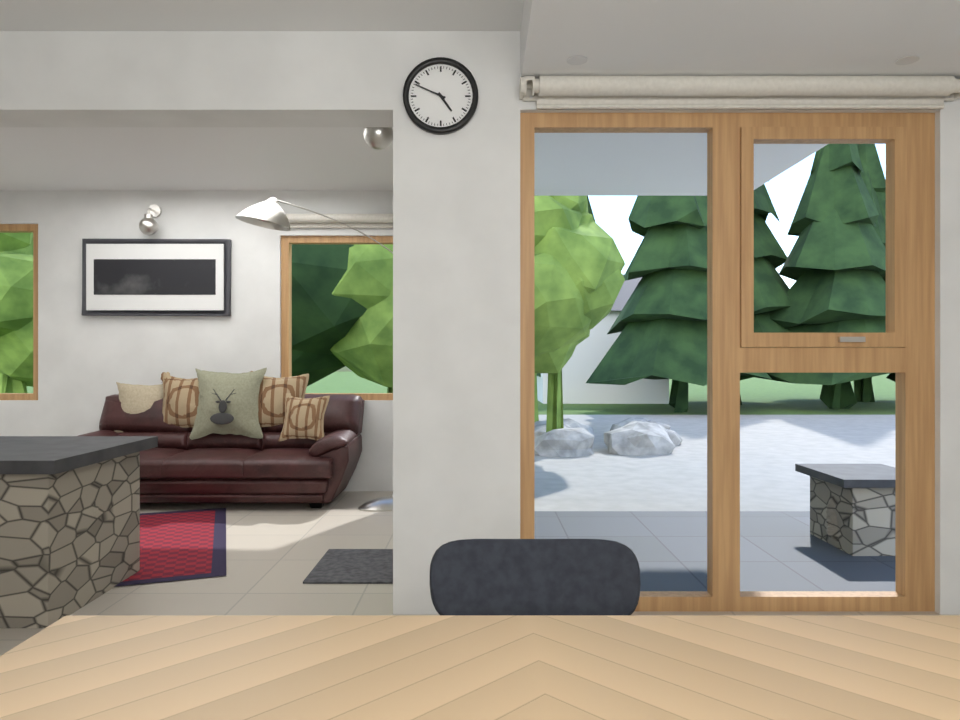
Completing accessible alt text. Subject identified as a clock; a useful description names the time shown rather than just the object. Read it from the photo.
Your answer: 4:49
